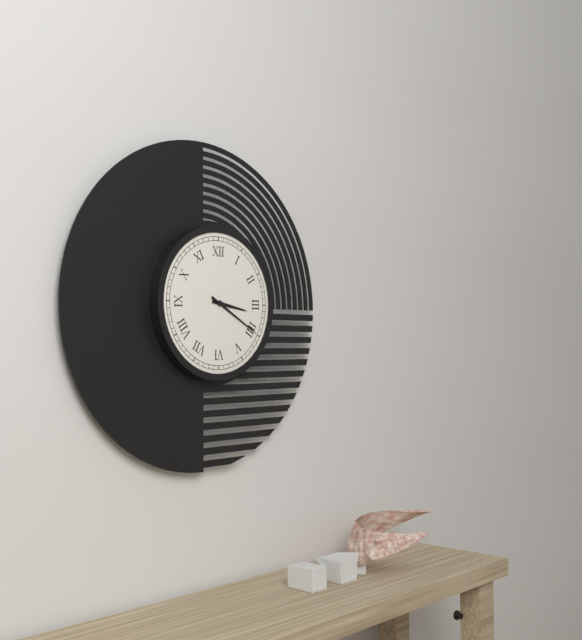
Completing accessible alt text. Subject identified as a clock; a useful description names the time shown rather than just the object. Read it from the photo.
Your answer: 3:20
